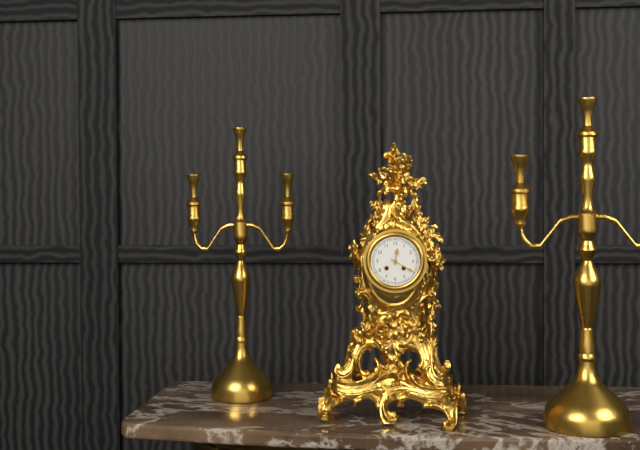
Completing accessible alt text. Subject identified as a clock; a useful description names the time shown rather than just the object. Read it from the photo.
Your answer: 12:20
